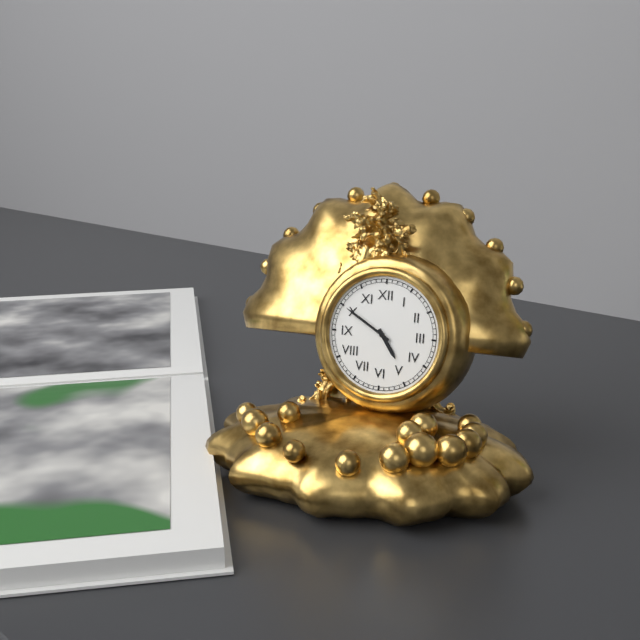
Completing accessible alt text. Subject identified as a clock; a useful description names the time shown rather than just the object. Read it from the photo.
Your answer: 4:50
